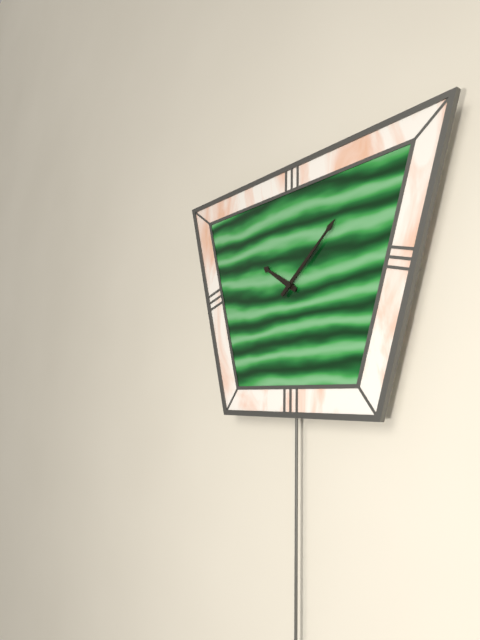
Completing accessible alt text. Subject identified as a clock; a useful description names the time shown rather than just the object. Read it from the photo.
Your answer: 10:08
